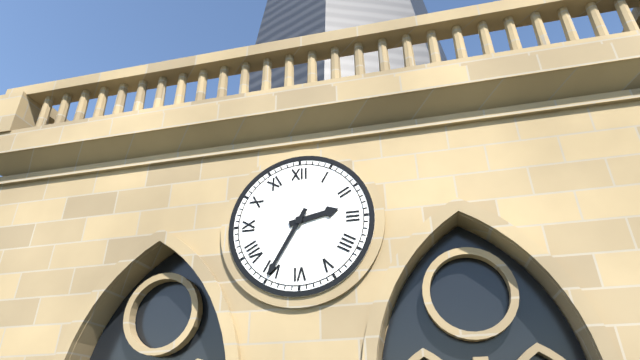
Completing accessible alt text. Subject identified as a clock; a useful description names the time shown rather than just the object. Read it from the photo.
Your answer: 2:35
